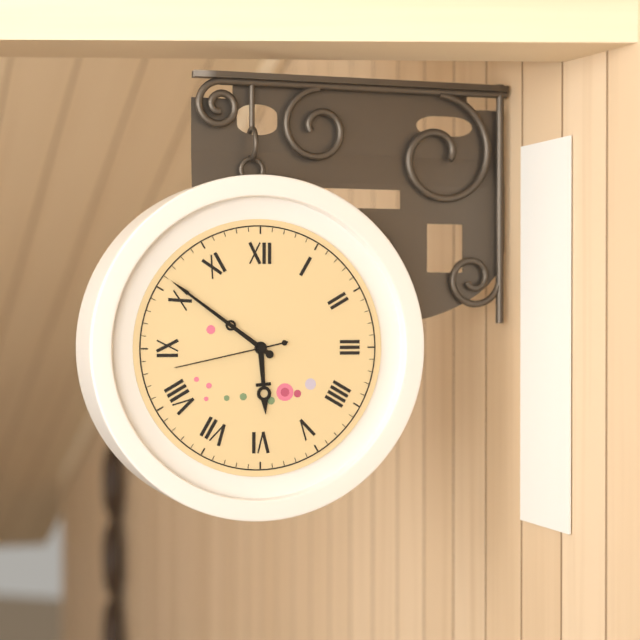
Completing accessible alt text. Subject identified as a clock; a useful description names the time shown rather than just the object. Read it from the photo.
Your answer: 5:51:43
